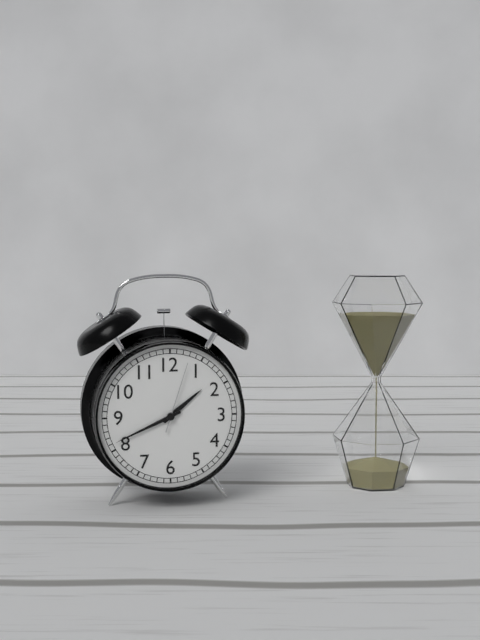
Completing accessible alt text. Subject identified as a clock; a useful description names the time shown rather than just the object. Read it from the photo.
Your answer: 1:41:03
